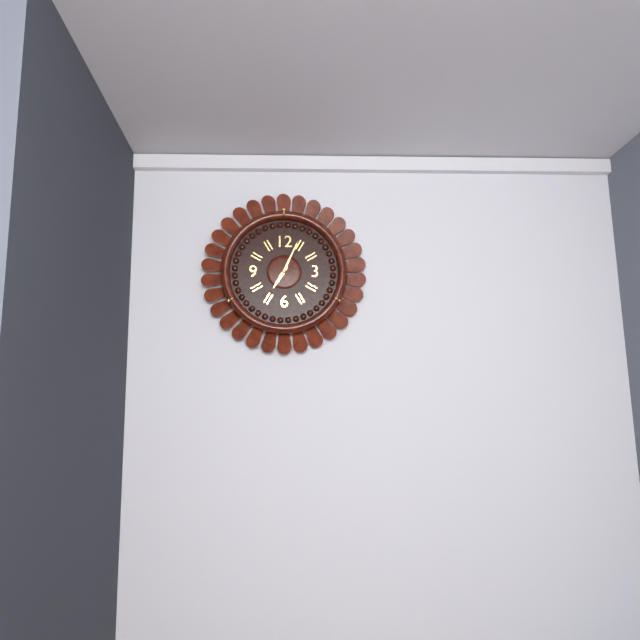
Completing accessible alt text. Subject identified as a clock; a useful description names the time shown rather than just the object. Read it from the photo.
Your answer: 7:04
